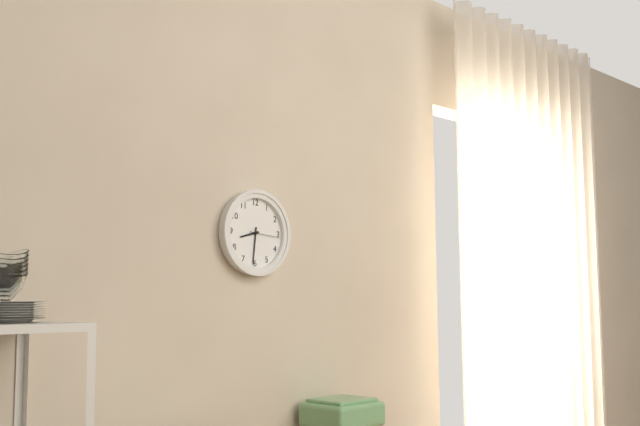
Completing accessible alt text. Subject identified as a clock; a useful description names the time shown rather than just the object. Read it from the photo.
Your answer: 8:31
